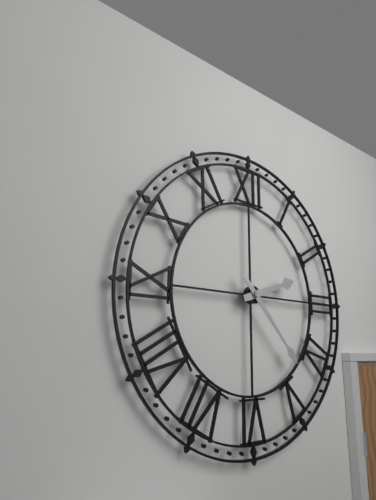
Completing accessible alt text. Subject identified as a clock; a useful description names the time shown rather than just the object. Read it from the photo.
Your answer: 2:23
